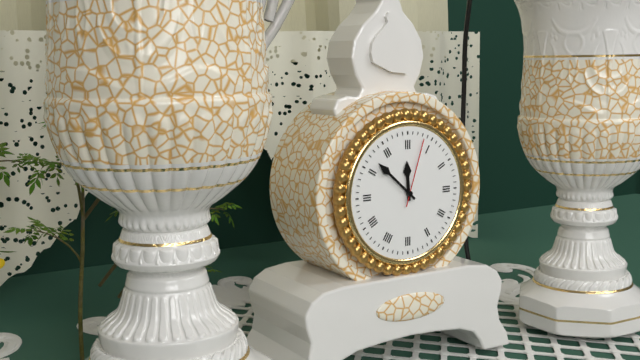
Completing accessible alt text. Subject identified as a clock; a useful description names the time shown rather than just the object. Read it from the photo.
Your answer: 11:52:03
